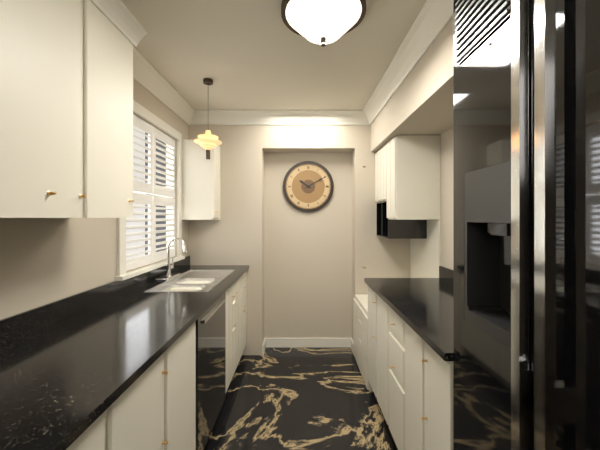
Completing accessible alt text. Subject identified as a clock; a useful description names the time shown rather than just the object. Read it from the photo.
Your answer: 10:10
